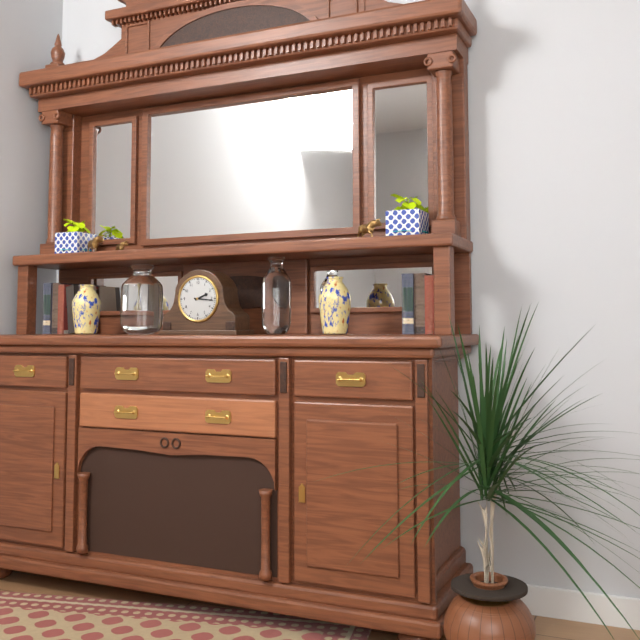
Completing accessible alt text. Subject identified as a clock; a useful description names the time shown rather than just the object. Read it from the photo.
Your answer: 2:16
